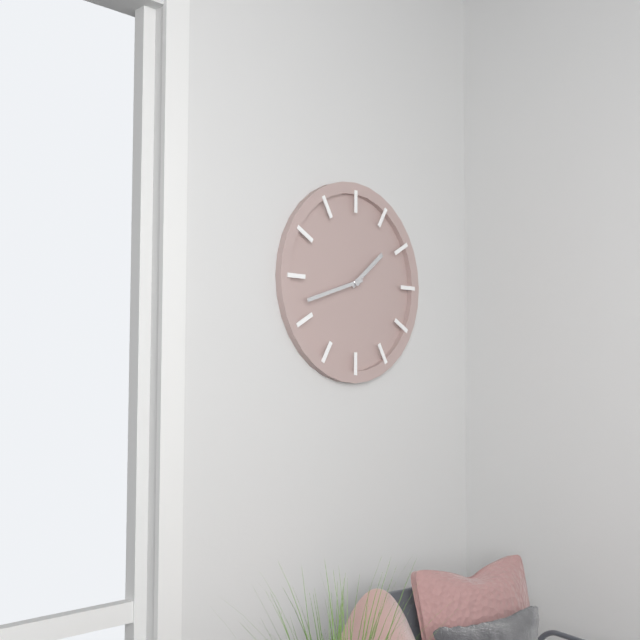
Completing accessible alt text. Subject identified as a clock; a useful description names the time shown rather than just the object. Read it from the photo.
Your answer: 1:42
